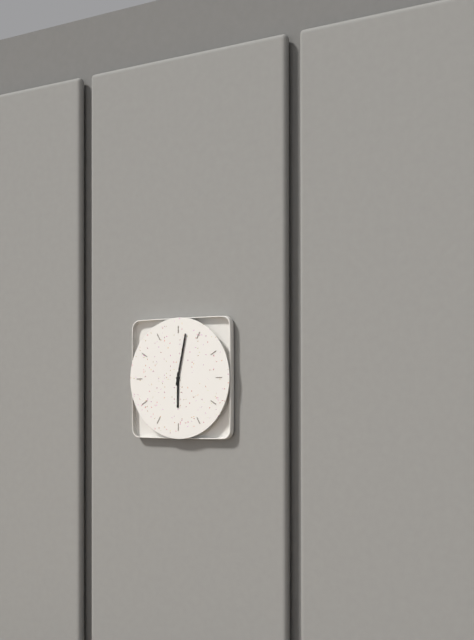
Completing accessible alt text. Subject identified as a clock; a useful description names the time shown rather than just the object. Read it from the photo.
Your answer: 6:02
